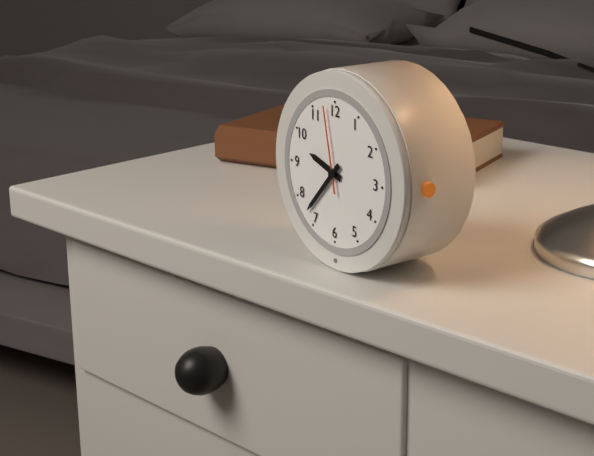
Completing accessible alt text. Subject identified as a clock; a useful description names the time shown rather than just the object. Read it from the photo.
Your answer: 9:37:58
